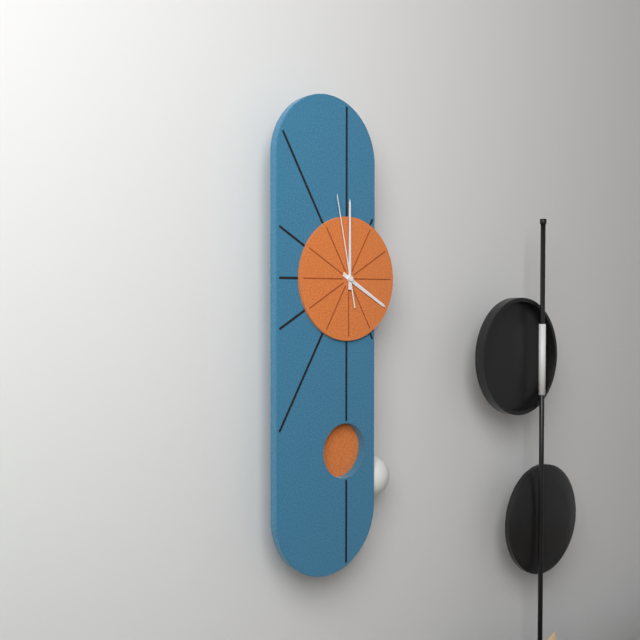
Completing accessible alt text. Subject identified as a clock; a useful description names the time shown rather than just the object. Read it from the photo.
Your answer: 4:00:58
